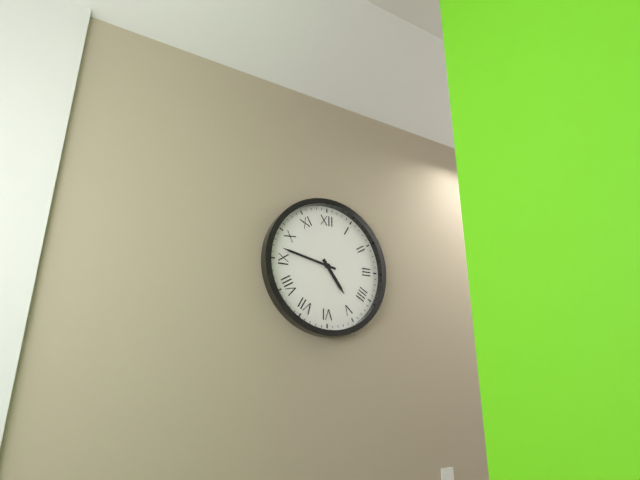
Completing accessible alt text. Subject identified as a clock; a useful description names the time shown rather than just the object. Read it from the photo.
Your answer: 4:47
